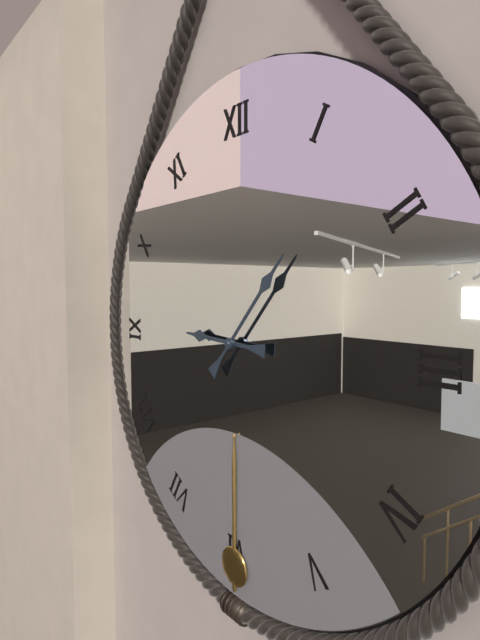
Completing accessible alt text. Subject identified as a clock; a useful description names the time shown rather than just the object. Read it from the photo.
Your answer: 9:07
